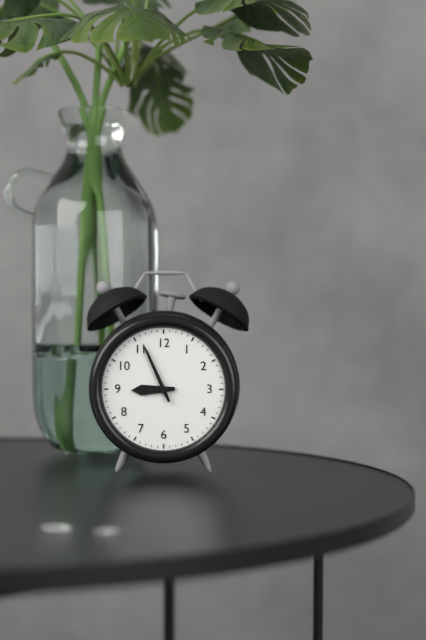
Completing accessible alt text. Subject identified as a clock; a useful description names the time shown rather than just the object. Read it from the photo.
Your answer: 8:56
